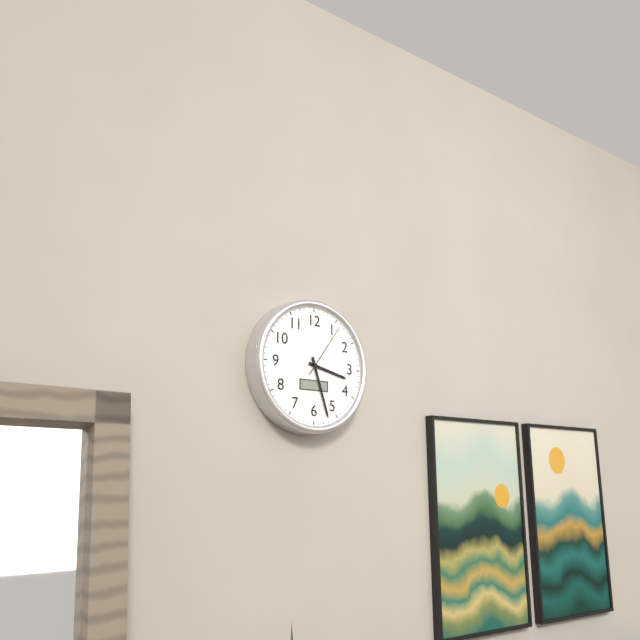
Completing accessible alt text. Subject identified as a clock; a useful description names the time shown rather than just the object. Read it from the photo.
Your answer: 3:27:06
